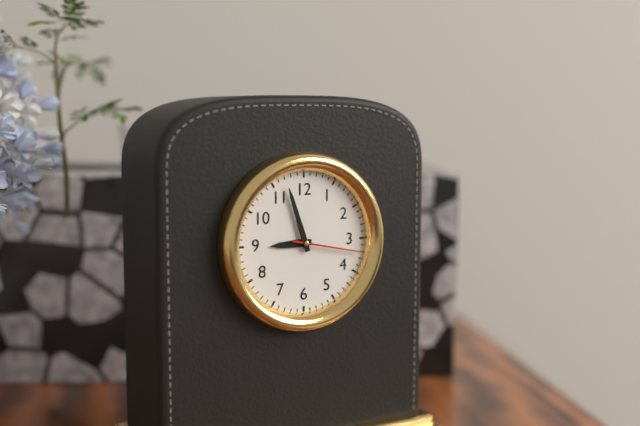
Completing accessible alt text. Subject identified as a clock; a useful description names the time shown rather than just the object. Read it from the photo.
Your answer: 8:57:17
